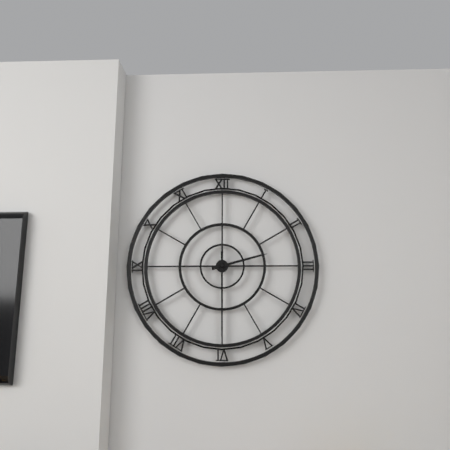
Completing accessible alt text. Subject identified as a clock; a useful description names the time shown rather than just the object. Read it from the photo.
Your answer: 2:30
